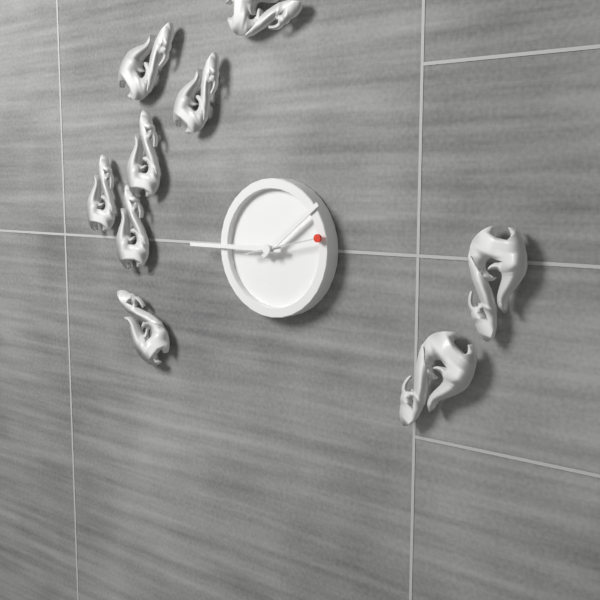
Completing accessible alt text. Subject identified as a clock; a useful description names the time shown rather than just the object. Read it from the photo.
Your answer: 1:45:13
